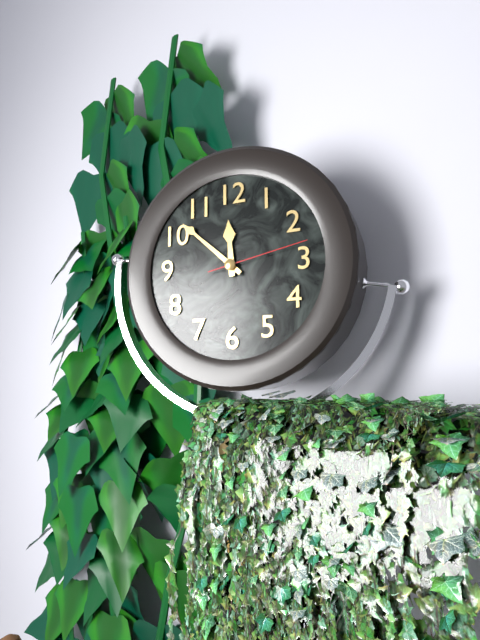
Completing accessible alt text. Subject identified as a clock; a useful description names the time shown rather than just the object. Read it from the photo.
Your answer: 11:52:13
